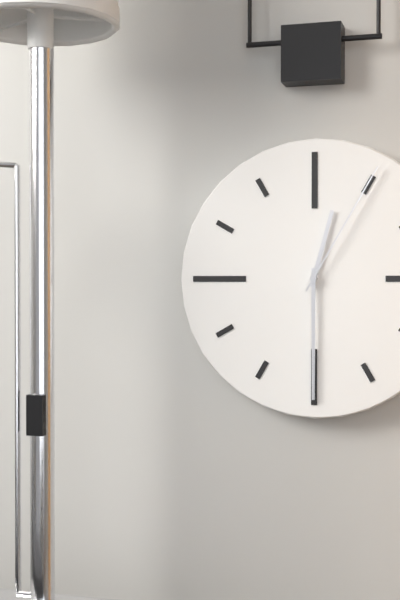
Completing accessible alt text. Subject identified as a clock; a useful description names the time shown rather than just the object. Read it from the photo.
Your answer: 12:30:05
